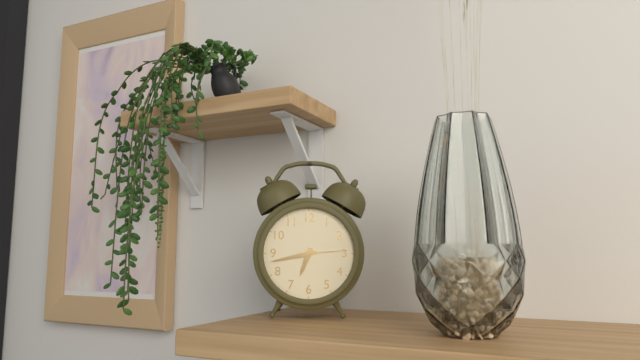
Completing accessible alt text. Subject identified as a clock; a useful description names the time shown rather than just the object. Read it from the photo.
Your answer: 6:43:14
